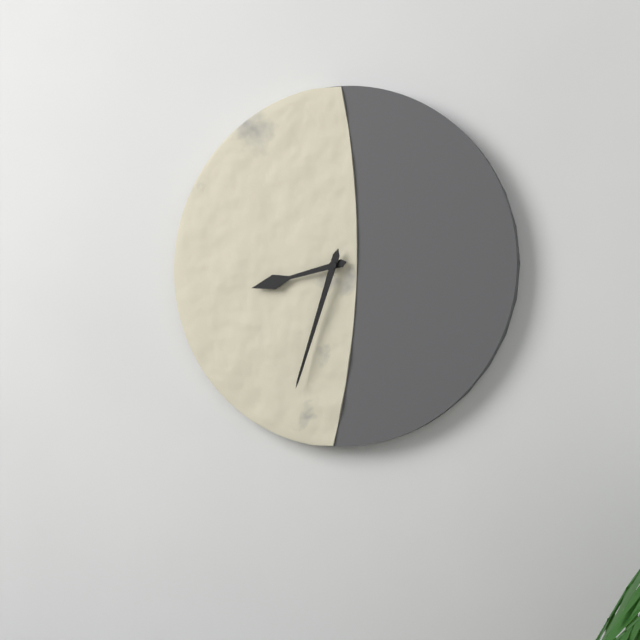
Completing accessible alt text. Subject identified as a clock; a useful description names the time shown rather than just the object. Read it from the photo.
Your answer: 8:33
